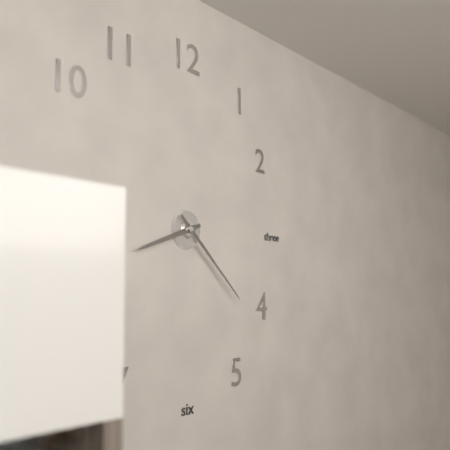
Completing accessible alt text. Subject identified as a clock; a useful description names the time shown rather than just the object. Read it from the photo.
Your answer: 8:22
